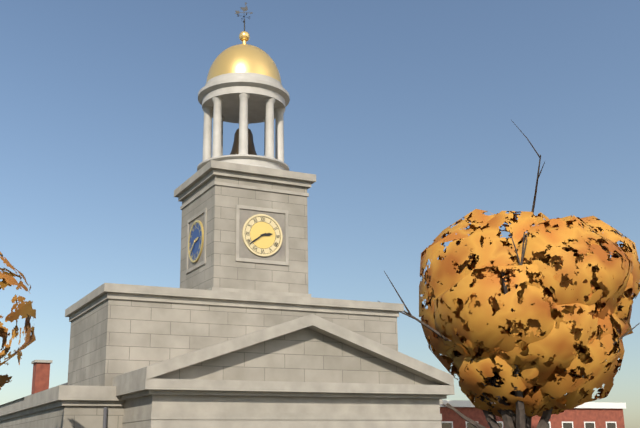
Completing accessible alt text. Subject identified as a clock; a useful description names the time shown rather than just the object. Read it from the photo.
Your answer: 2:39
